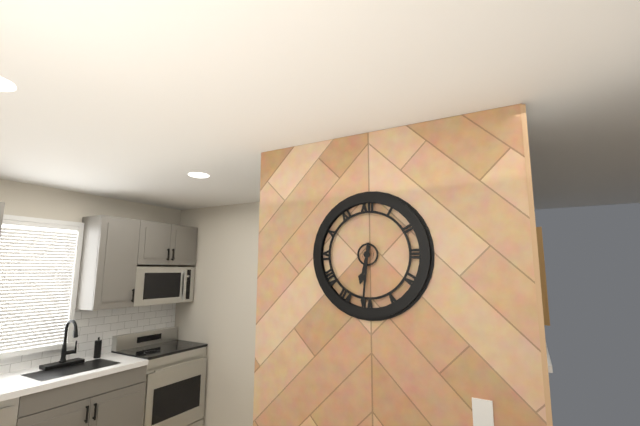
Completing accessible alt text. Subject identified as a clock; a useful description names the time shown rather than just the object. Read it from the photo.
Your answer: 6:31
